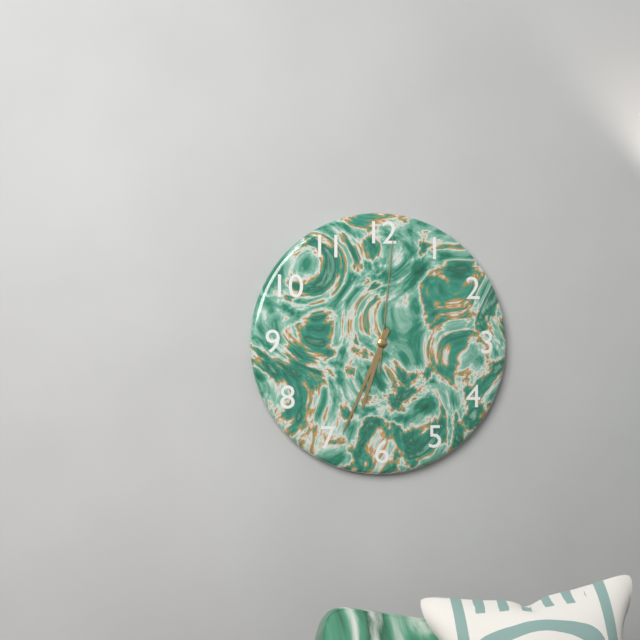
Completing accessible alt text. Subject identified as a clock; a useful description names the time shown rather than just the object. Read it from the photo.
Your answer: 6:34:01
